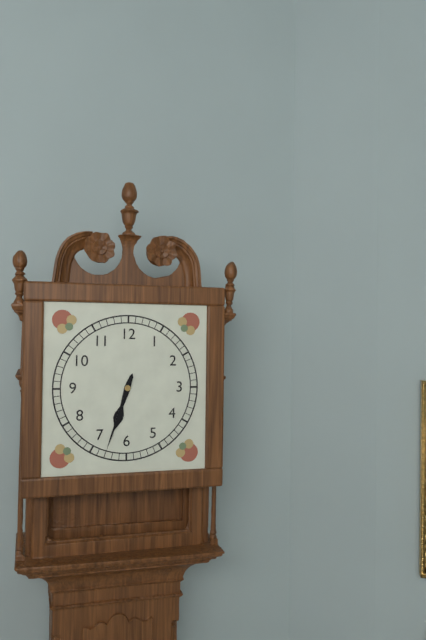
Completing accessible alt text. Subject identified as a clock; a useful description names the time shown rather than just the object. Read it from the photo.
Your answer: 6:33
